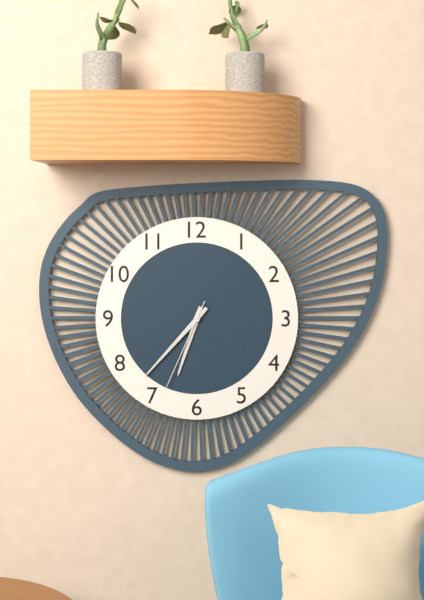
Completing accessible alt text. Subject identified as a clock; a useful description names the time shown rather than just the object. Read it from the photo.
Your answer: 6:37:34
